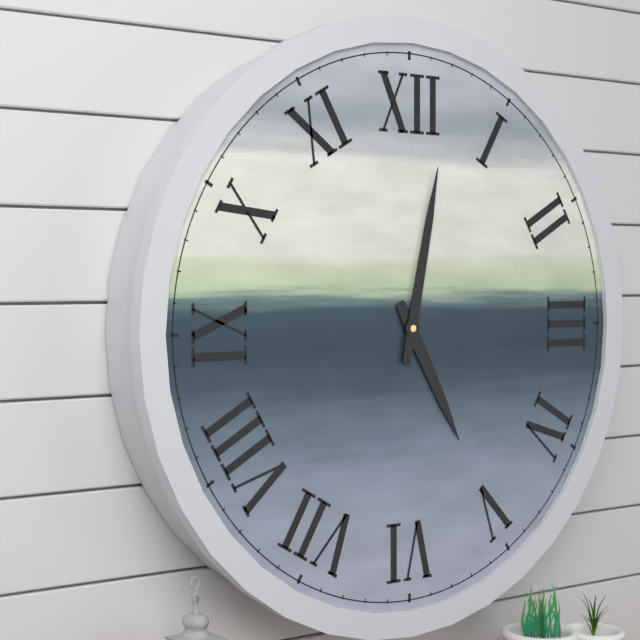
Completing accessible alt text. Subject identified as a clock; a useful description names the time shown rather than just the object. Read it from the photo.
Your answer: 5:02
